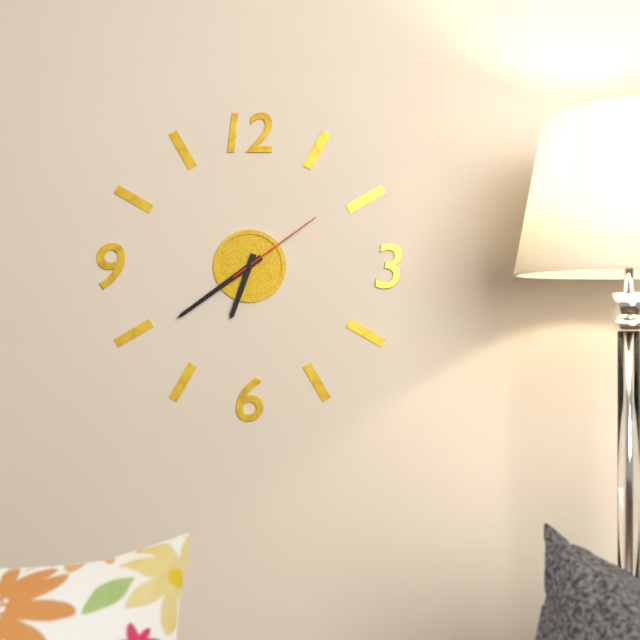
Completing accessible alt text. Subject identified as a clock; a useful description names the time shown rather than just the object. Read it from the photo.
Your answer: 6:39:09
